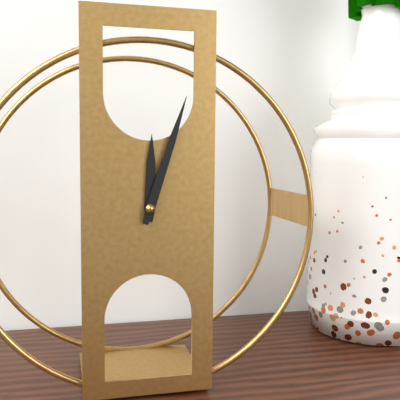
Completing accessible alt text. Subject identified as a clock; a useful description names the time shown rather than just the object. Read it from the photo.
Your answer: 12:03
